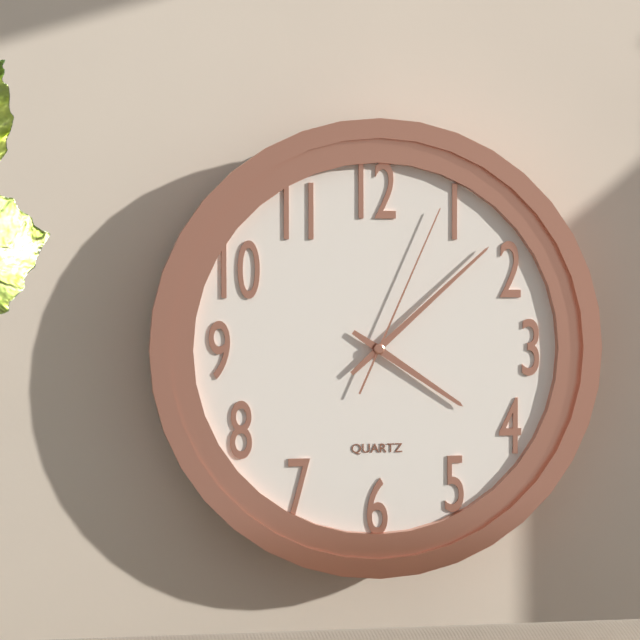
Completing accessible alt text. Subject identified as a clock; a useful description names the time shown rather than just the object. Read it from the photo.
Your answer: 4:08:04
